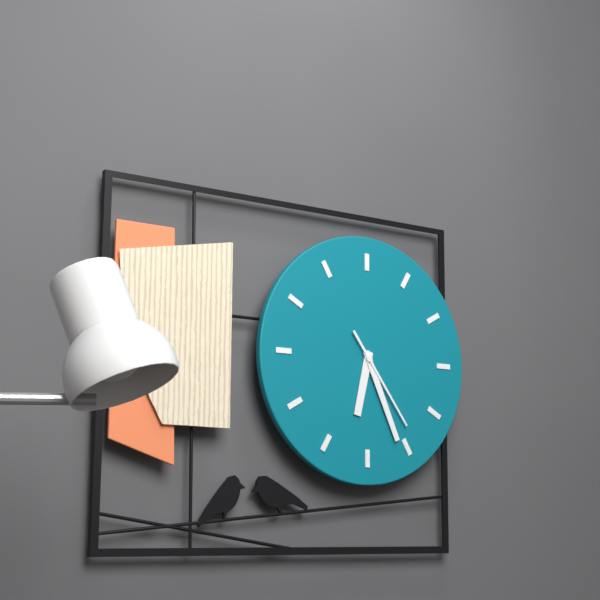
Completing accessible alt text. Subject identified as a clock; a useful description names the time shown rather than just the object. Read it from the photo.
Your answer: 6:26:24
